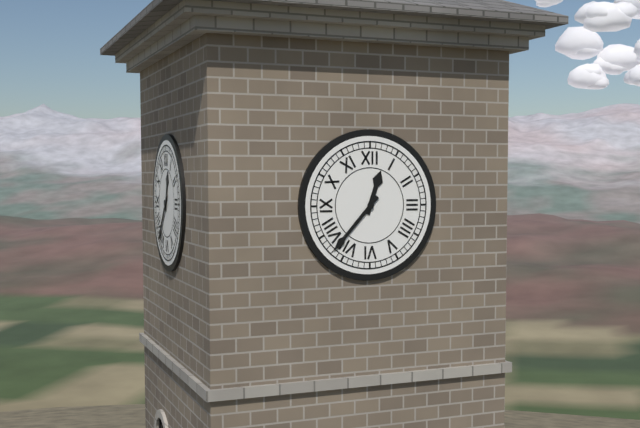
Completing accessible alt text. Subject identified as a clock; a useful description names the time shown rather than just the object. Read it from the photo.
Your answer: 12:37
